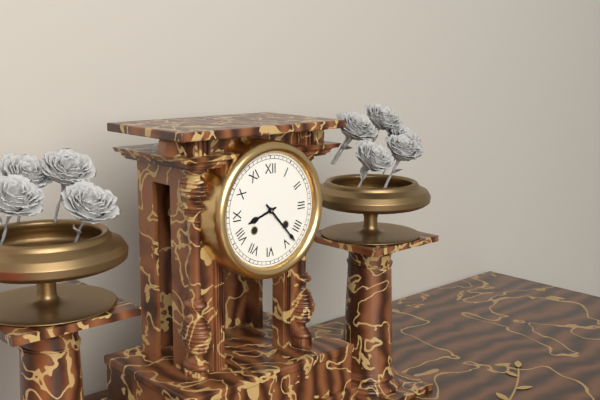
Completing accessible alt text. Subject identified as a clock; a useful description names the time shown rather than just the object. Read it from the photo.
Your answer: 8:23
